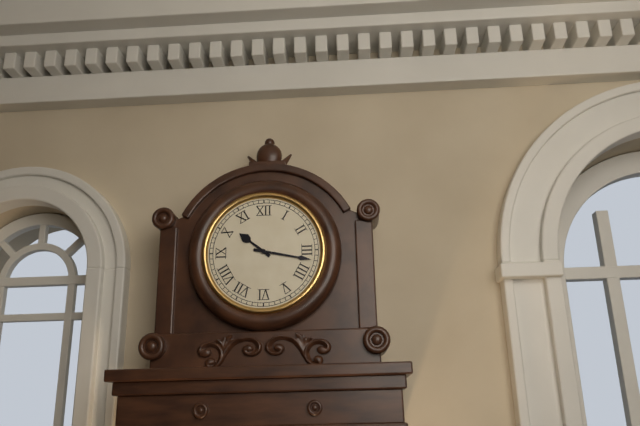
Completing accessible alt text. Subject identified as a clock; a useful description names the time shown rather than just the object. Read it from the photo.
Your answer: 10:17
